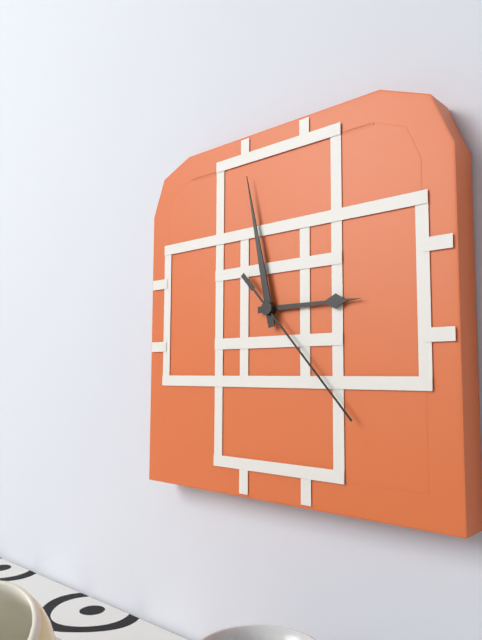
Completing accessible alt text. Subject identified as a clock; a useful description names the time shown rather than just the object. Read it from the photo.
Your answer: 2:58:23
